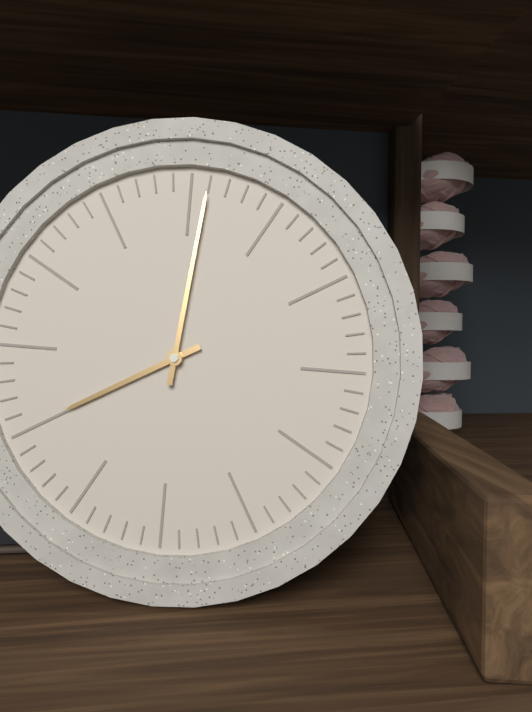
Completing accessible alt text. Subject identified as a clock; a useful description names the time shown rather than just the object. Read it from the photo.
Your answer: 8:01
